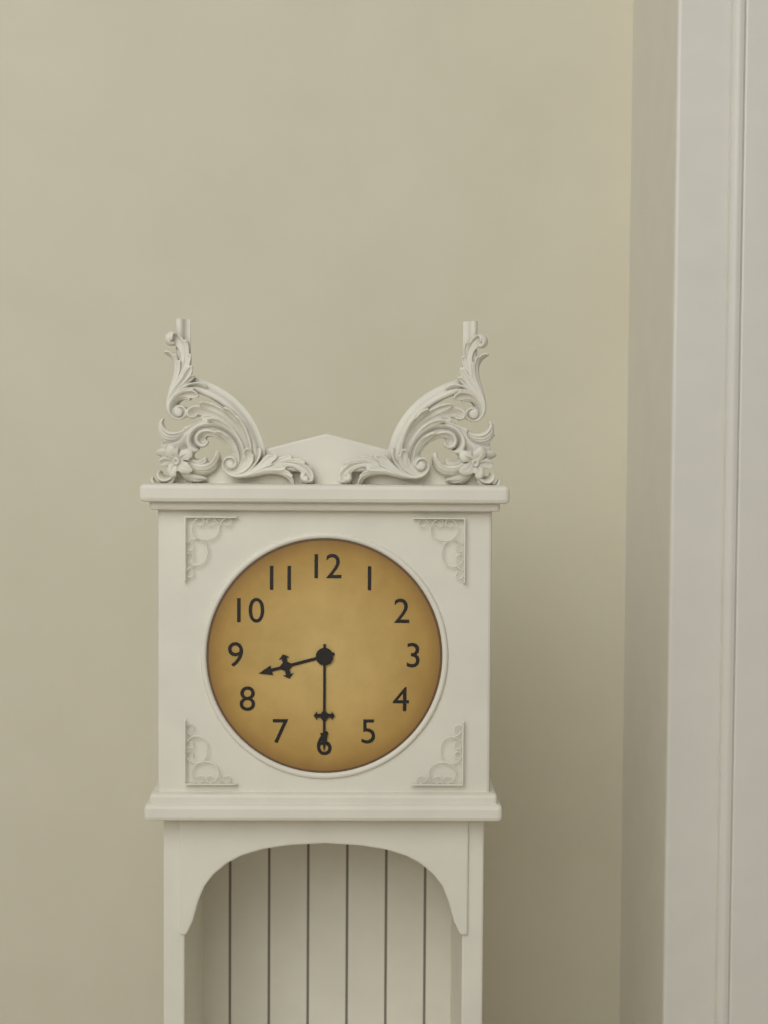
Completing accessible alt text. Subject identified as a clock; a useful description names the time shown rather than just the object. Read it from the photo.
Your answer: 8:30
